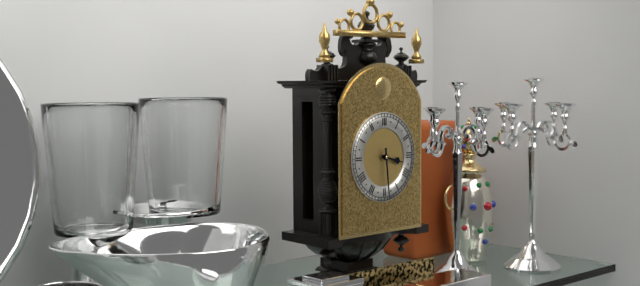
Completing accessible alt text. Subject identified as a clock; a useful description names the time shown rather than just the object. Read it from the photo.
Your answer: 3:29
